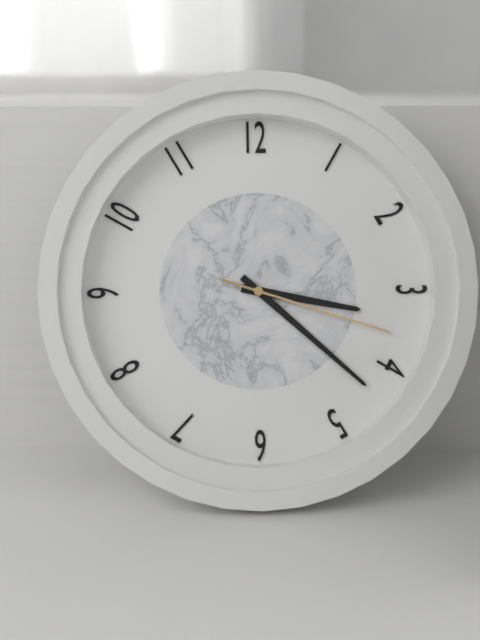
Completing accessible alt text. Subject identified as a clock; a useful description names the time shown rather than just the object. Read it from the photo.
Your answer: 3:22:18
